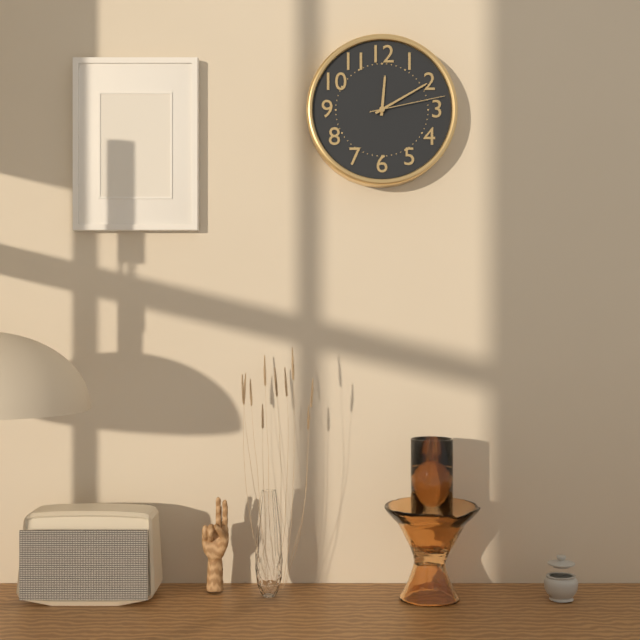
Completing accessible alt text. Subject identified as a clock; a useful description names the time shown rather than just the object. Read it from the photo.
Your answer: 12:10:13
